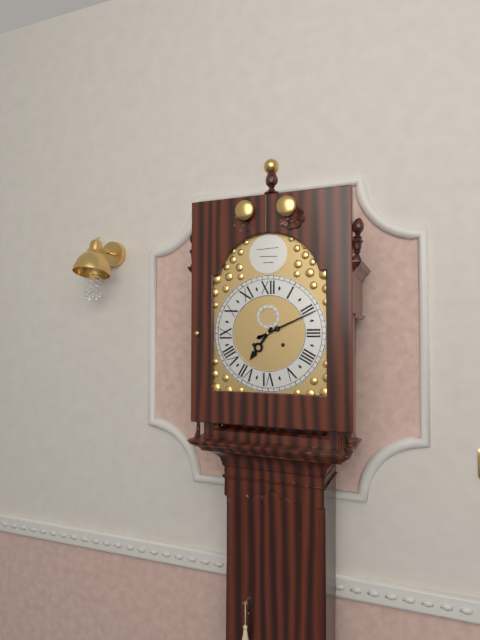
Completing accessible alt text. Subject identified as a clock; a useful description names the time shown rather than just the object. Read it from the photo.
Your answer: 7:11
